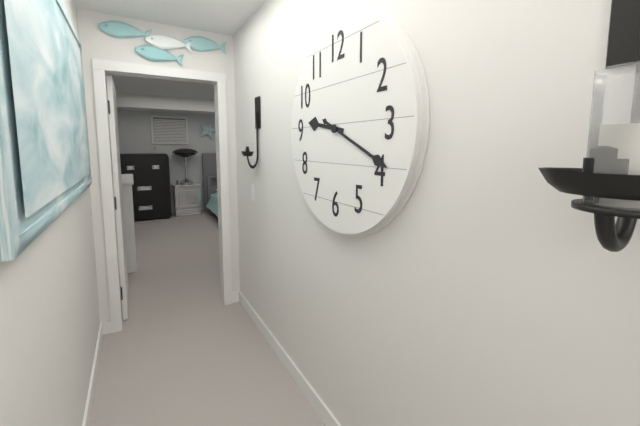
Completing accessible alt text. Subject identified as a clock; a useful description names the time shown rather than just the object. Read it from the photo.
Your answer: 9:19
